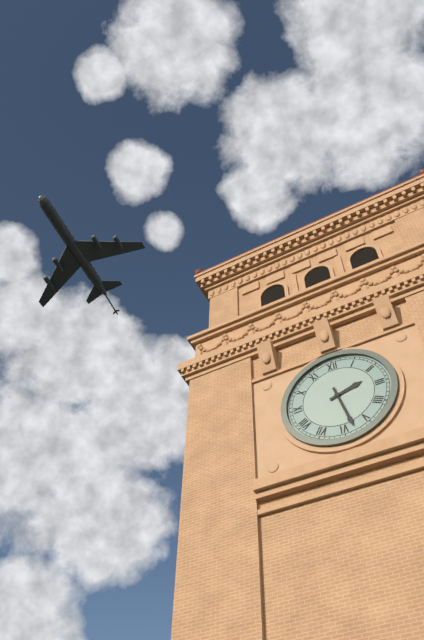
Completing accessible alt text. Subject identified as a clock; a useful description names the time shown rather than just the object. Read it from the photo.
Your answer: 2:28
